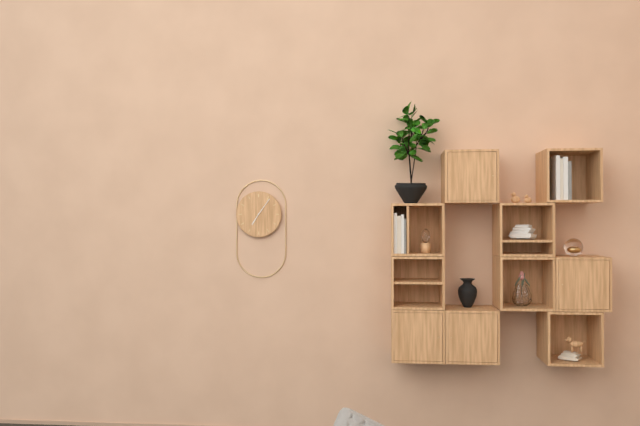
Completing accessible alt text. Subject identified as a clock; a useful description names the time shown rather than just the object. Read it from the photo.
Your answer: 7:06
